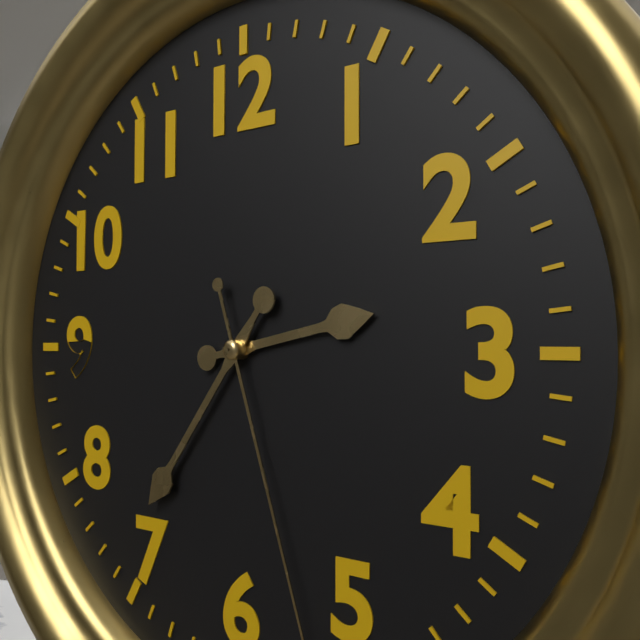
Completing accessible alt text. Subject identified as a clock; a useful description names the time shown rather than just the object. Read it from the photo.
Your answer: 2:36
